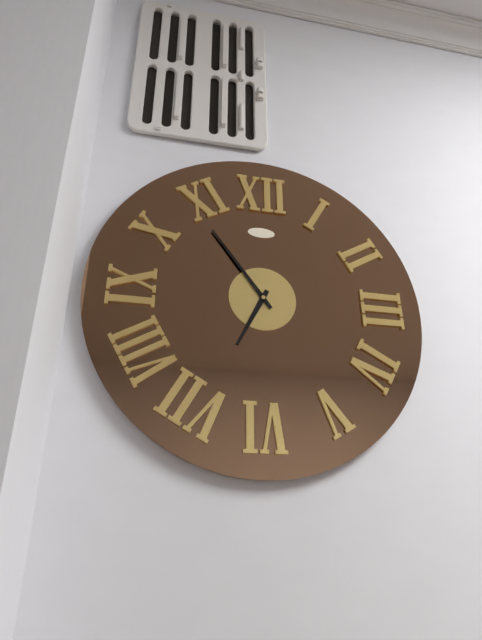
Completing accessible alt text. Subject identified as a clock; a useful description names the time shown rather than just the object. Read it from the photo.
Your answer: 6:54
